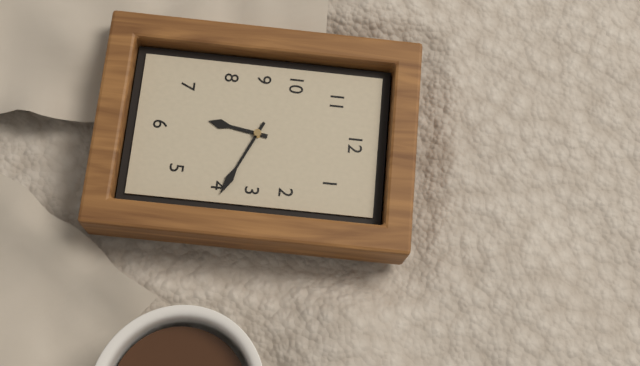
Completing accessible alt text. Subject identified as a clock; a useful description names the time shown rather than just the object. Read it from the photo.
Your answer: 6:19
